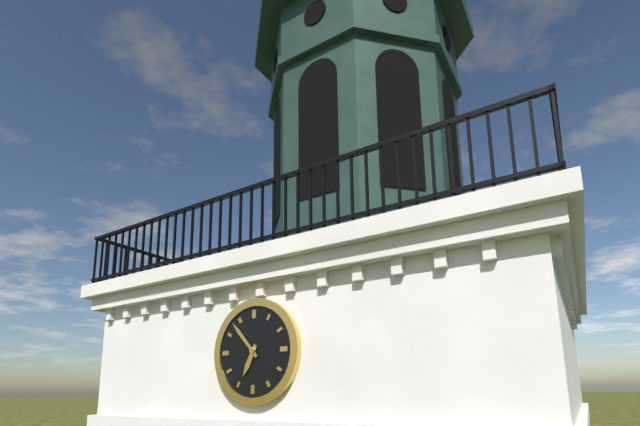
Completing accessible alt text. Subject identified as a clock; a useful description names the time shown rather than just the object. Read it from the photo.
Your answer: 6:53
